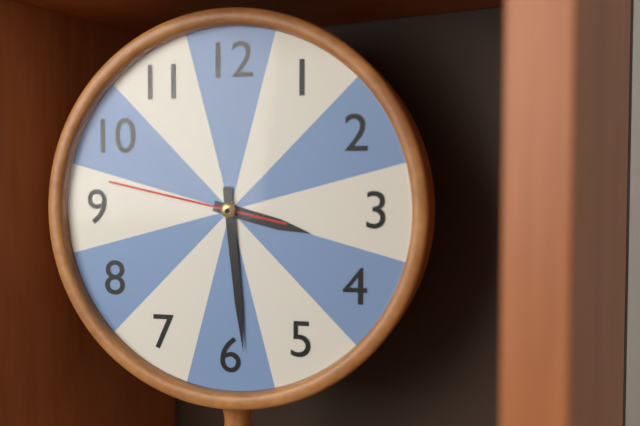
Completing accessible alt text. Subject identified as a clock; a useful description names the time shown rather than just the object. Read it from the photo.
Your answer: 3:29:47
